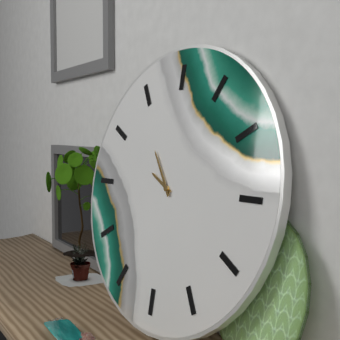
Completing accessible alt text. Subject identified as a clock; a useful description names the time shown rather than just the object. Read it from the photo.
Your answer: 9:54
